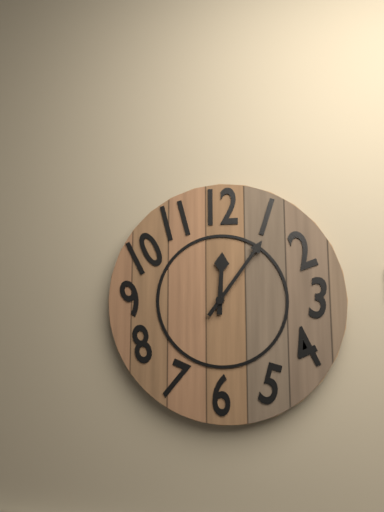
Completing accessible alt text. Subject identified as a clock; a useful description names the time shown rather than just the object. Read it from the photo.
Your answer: 12:06
